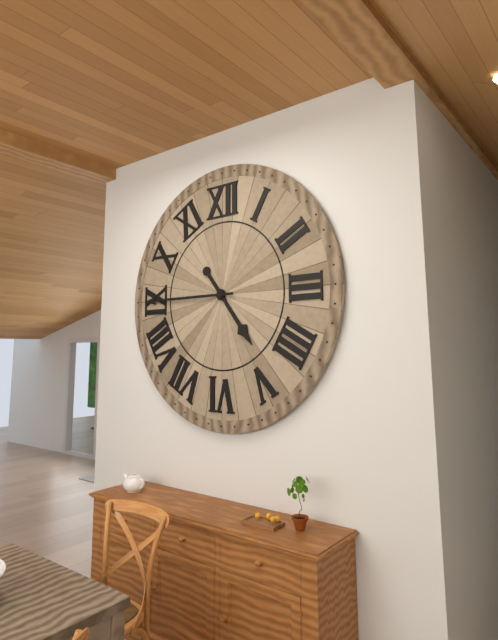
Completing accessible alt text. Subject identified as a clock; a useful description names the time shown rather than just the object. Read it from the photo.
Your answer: 4:45
